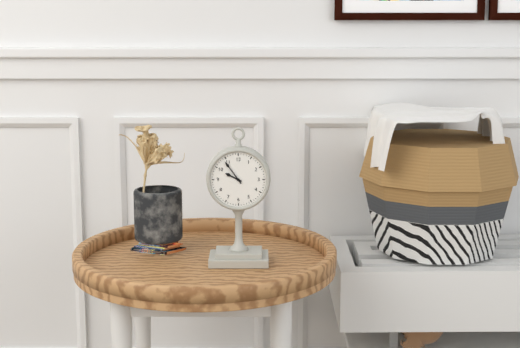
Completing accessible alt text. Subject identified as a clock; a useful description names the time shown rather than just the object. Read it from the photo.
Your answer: 9:54
